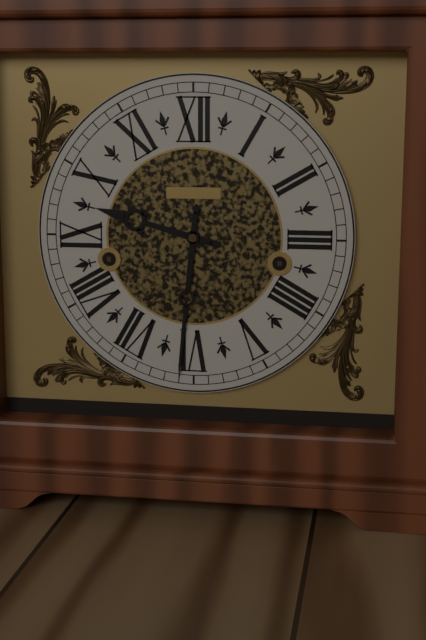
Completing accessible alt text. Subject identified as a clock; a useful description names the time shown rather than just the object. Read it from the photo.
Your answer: 9:31
